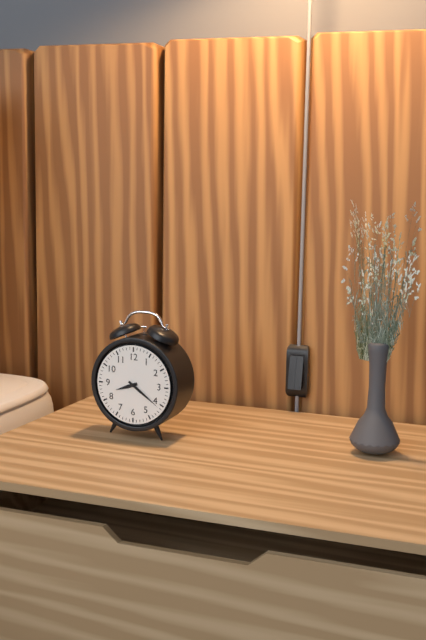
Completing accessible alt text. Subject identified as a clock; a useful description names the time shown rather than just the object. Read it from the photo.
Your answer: 8:21
